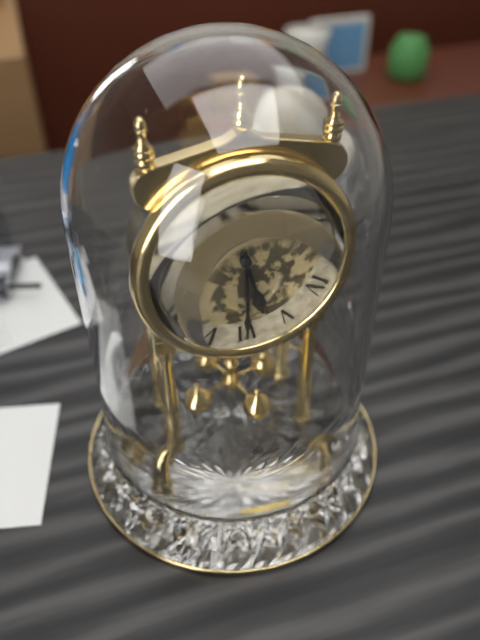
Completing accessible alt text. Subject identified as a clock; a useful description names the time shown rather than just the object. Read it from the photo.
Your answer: 5:30
